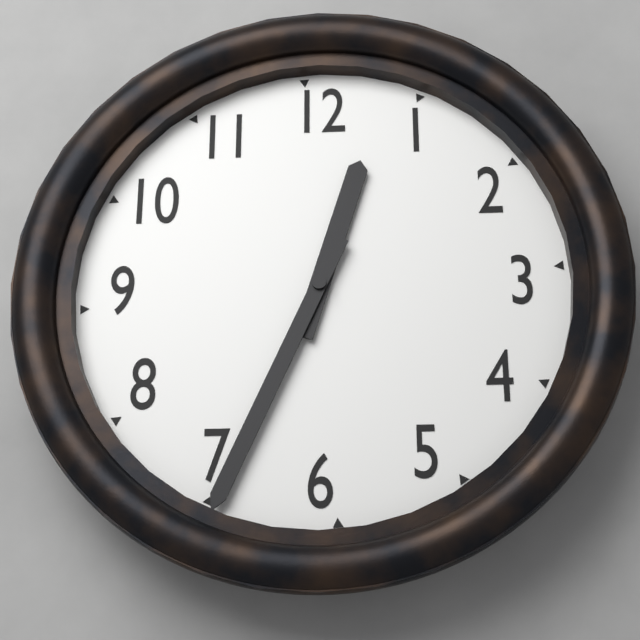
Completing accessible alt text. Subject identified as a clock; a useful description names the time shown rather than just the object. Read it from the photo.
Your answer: 12:34
